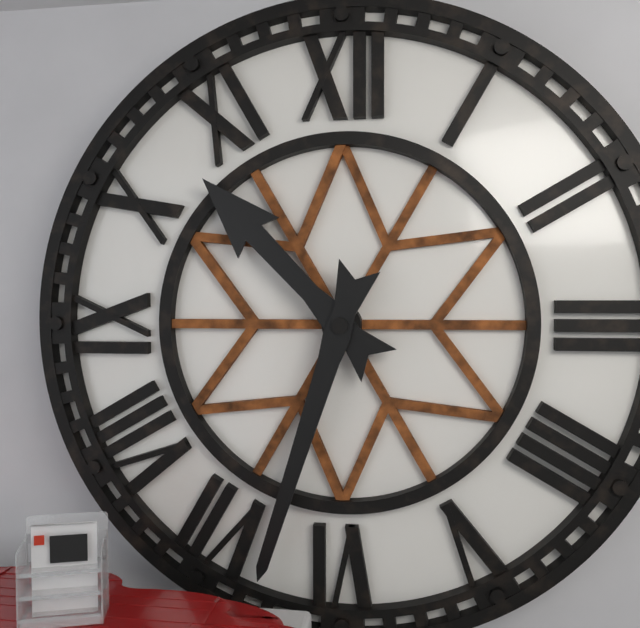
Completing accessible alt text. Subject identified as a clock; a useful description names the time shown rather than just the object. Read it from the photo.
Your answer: 10:33
